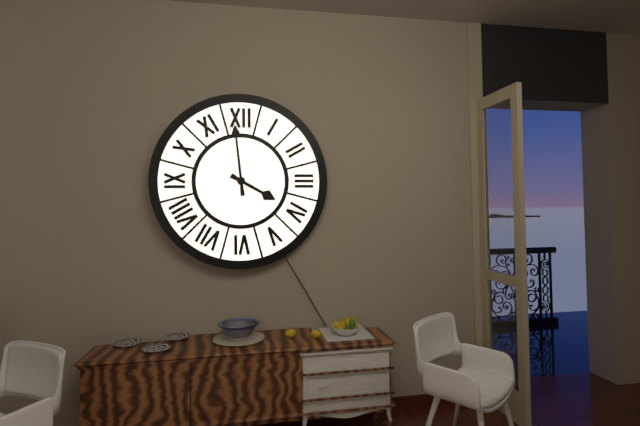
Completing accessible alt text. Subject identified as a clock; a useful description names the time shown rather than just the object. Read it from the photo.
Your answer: 3:59
